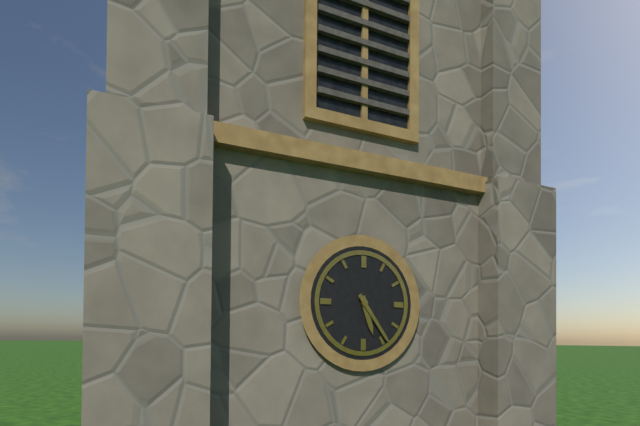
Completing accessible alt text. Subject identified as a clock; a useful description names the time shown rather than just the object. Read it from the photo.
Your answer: 5:24
